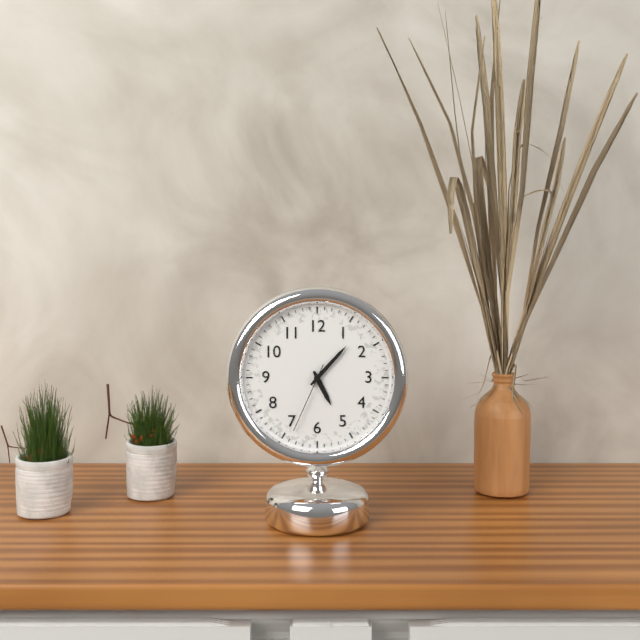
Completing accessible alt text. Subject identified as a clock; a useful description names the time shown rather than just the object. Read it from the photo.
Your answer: 5:07:34
